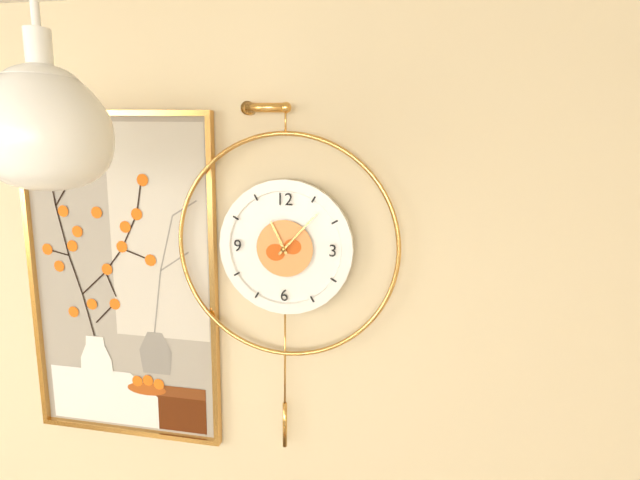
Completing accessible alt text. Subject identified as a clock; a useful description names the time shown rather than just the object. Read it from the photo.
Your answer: 11:07
